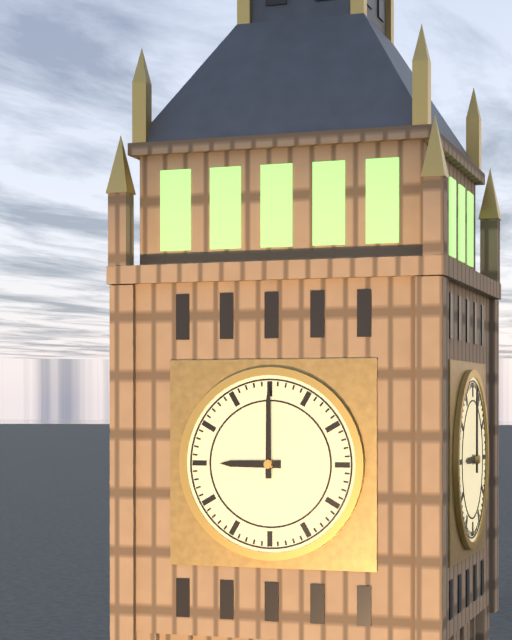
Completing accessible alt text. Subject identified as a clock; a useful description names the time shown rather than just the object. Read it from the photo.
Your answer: 9:00
